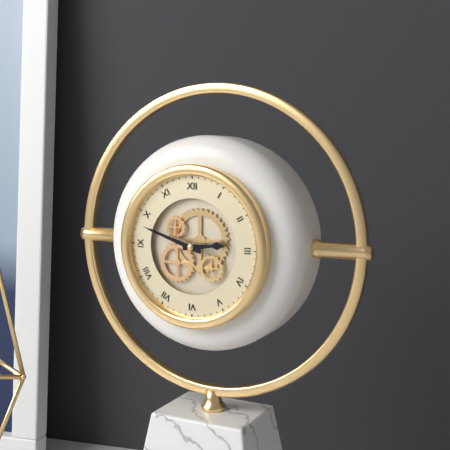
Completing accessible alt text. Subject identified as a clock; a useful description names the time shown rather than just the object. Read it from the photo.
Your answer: 2:48
